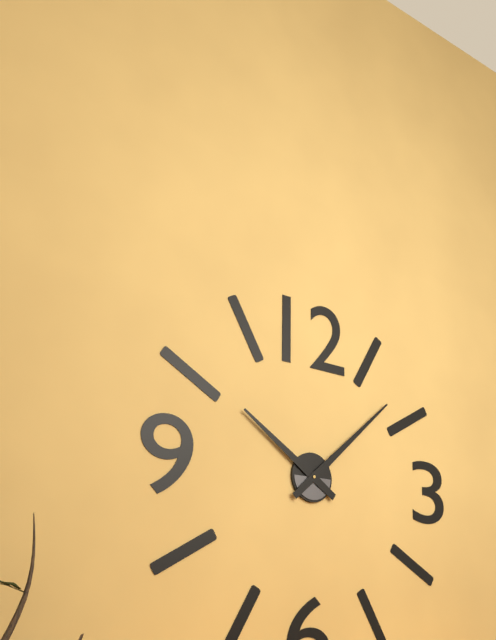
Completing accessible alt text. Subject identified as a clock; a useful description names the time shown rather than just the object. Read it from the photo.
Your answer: 10:08
